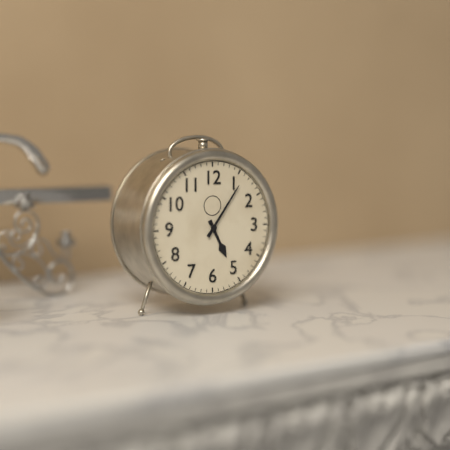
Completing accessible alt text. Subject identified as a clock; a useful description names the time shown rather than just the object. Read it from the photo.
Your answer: 5:06
